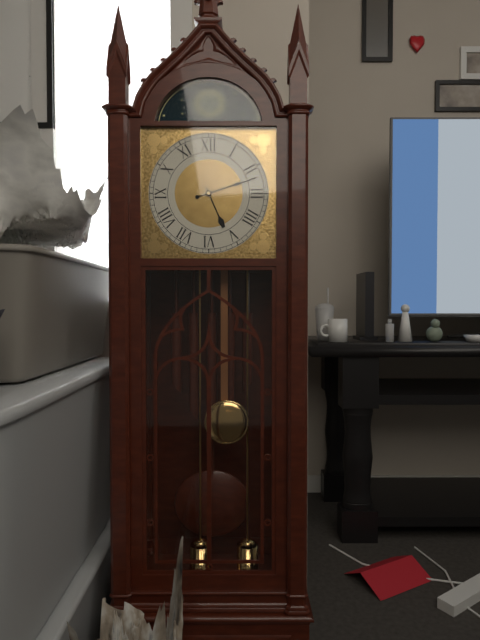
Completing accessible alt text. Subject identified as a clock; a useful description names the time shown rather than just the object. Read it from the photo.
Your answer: 5:12
